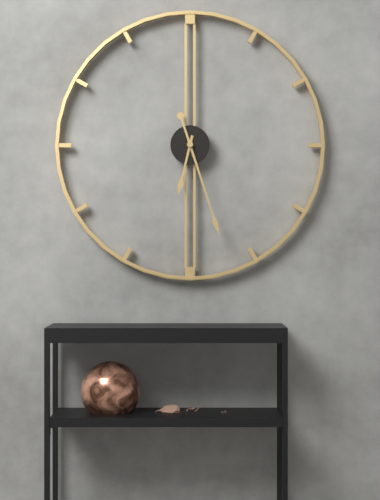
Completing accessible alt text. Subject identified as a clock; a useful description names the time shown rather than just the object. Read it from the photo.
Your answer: 6:27
